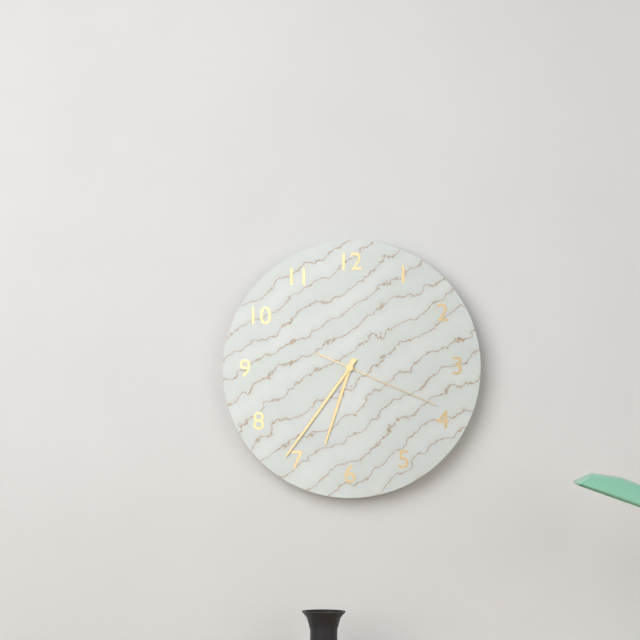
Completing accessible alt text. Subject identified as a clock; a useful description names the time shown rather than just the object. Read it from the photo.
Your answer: 6:36:19
